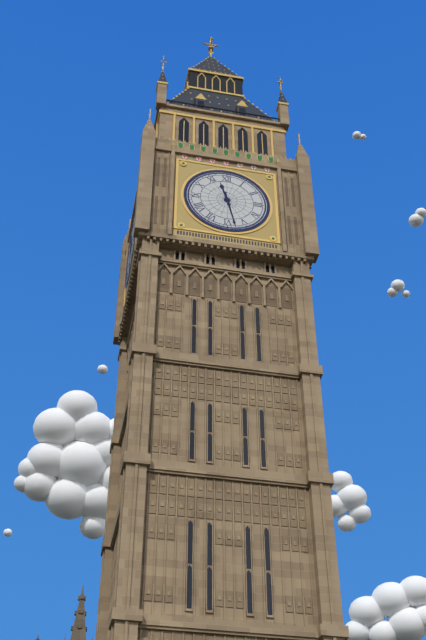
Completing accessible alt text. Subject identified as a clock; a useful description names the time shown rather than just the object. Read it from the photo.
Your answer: 11:28
